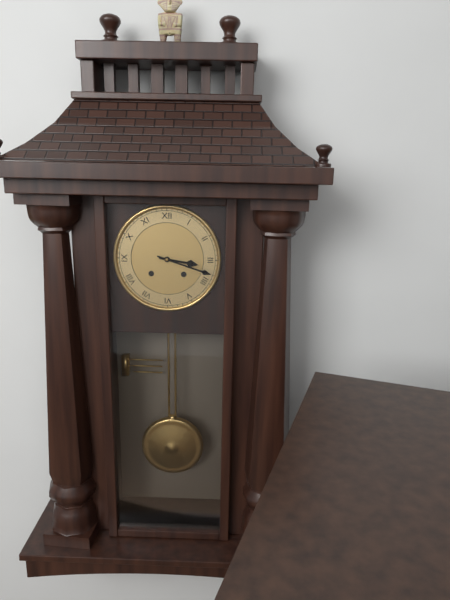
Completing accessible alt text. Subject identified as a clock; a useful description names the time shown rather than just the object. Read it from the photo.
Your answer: 3:18
